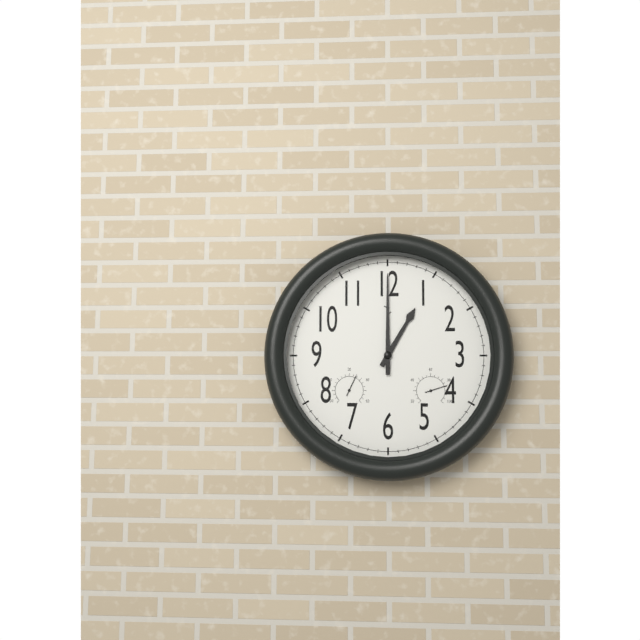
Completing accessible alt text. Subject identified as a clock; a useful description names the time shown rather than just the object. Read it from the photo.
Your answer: 1:00
